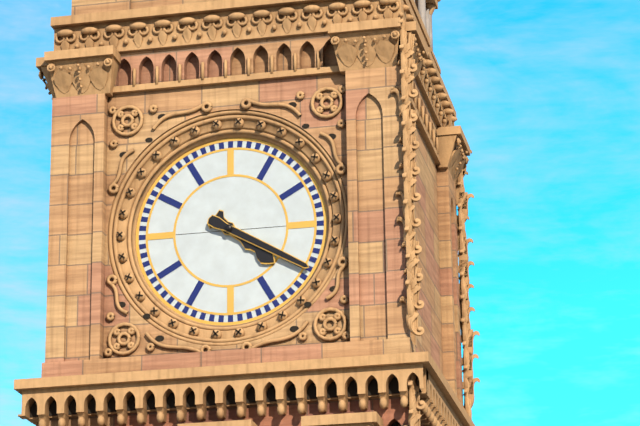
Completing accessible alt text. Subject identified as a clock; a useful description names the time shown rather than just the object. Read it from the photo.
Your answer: 4:20
